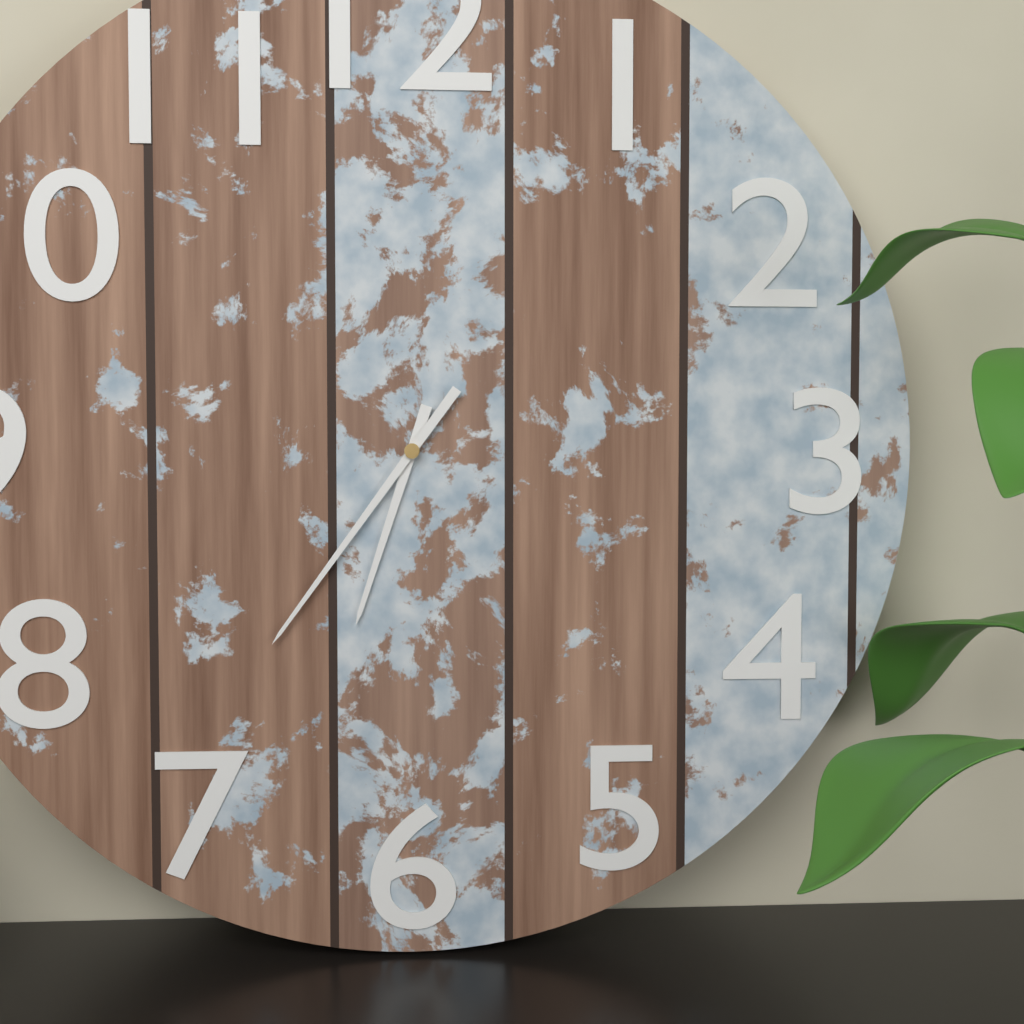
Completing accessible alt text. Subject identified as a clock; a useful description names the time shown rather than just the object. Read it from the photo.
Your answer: 6:36
